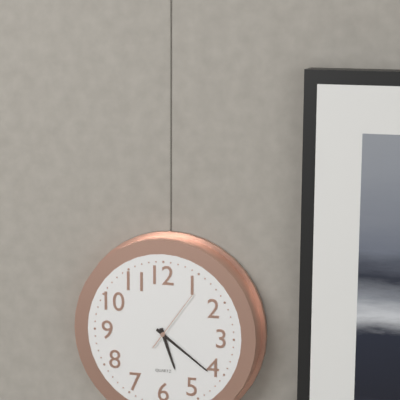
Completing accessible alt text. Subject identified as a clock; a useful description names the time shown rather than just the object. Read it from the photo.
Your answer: 5:21:06
